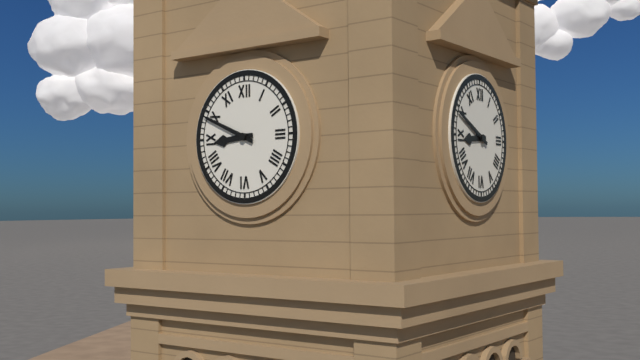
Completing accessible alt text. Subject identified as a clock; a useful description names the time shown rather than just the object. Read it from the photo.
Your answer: 8:49
